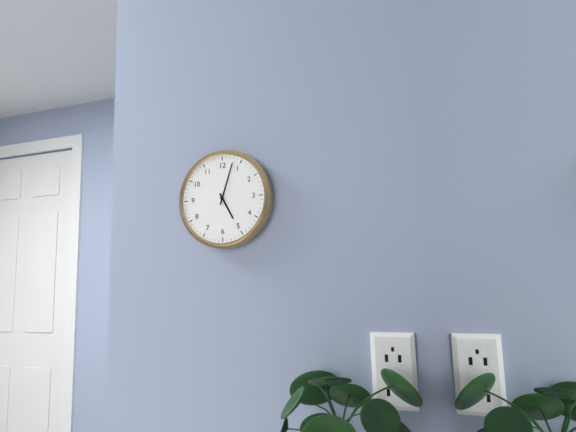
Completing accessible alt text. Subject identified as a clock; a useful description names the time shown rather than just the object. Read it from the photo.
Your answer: 5:03
